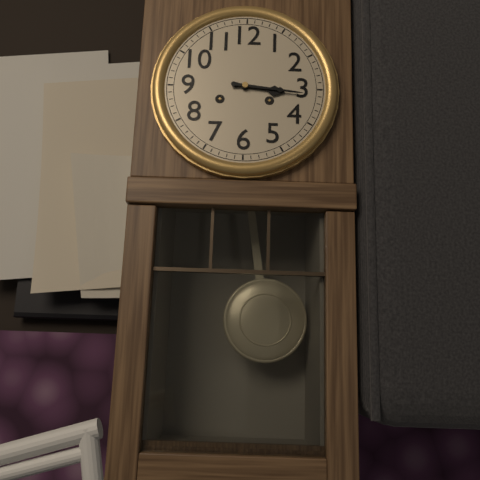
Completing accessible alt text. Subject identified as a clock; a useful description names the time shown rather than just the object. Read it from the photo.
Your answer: 3:16
